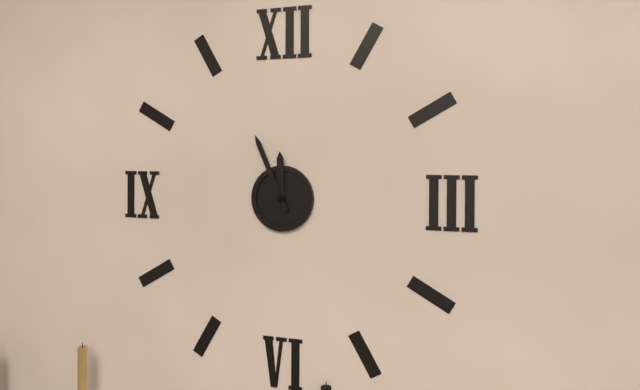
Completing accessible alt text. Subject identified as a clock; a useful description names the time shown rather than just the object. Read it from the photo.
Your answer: 11:56
